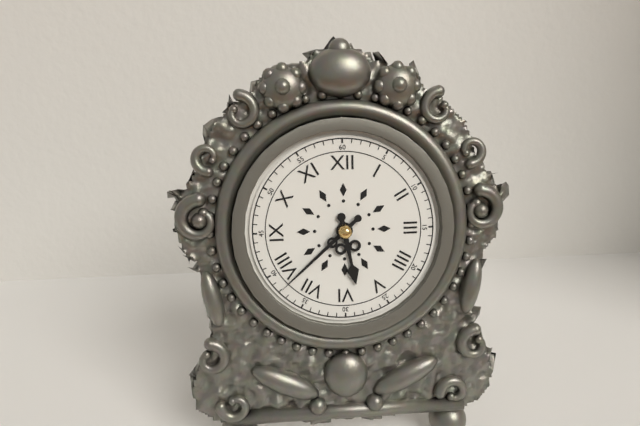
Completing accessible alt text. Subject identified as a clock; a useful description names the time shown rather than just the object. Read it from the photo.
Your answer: 5:38
